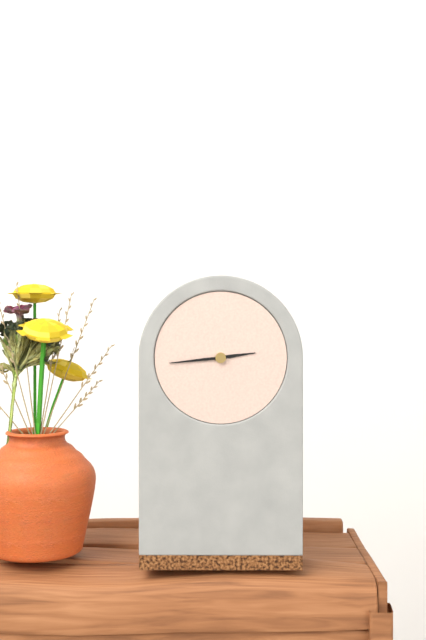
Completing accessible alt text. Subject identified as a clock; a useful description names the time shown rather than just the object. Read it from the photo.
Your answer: 2:44
